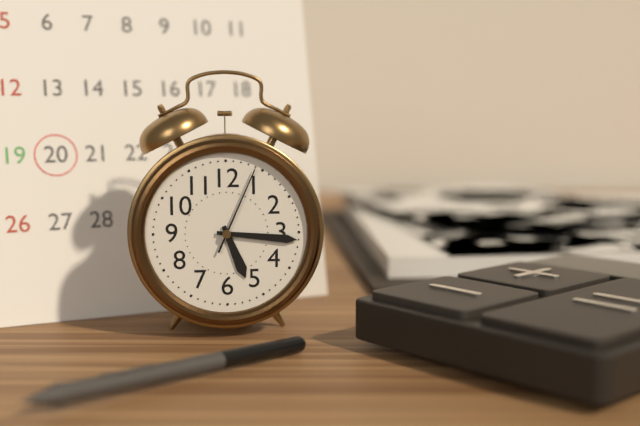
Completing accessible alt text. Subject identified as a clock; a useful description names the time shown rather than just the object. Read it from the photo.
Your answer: 5:16:04
